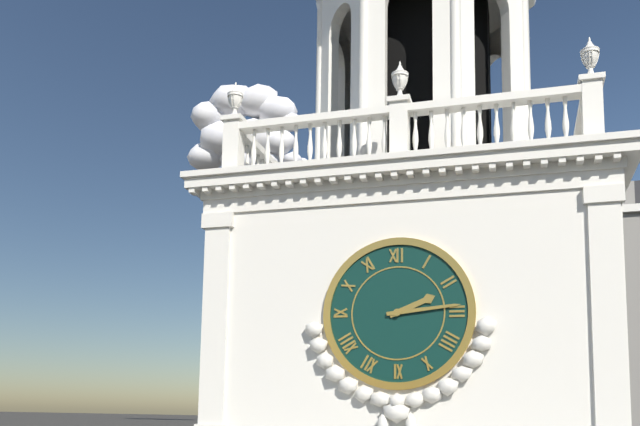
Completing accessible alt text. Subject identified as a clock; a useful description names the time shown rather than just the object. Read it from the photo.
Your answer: 2:14
